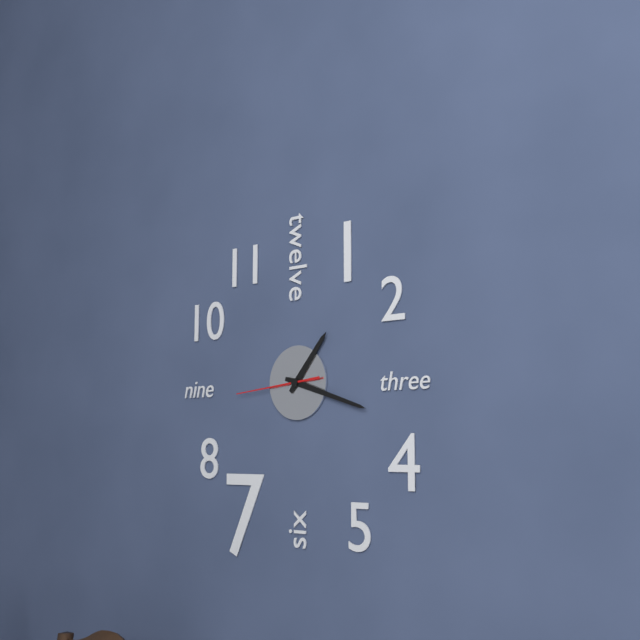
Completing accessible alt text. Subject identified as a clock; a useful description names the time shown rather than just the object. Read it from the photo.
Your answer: 1:18:44
